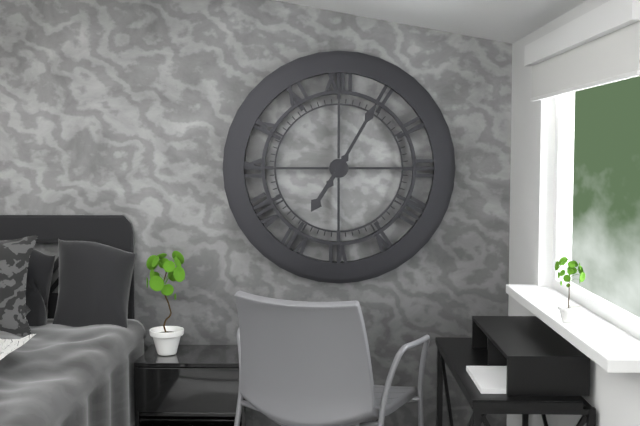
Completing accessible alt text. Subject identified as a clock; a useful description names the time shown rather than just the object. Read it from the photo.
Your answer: 7:05
